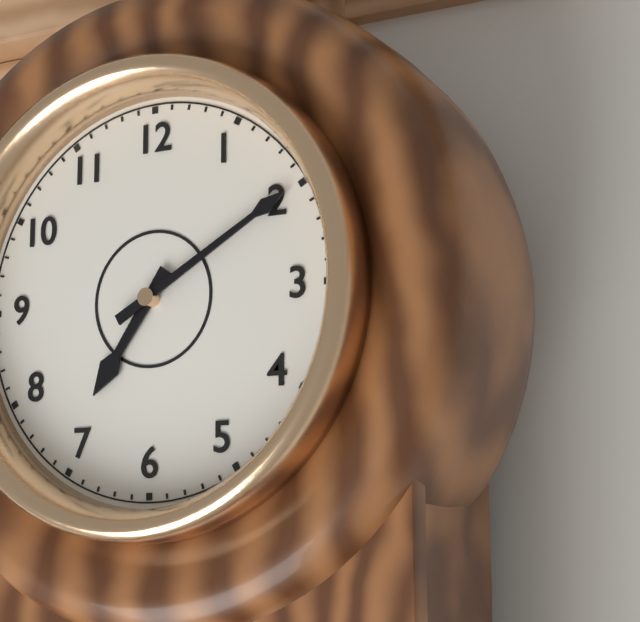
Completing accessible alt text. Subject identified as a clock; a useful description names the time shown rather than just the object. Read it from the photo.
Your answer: 7:10
